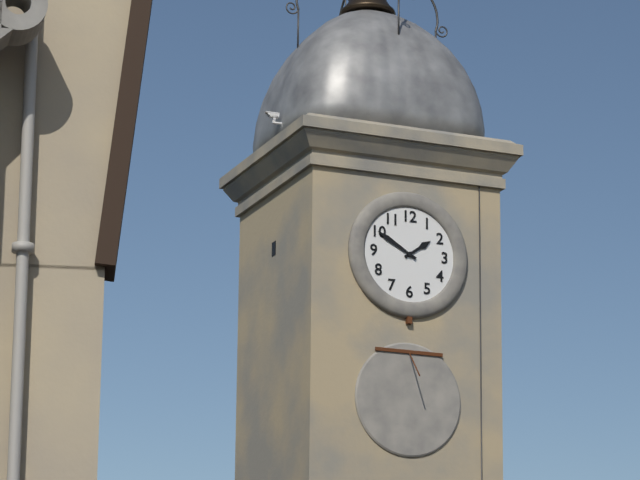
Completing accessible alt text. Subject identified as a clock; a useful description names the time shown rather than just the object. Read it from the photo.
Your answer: 1:50
